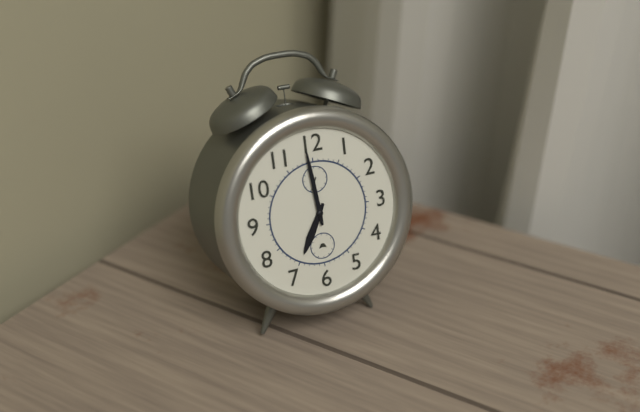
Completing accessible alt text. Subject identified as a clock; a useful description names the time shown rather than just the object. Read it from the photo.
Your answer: 6:59
